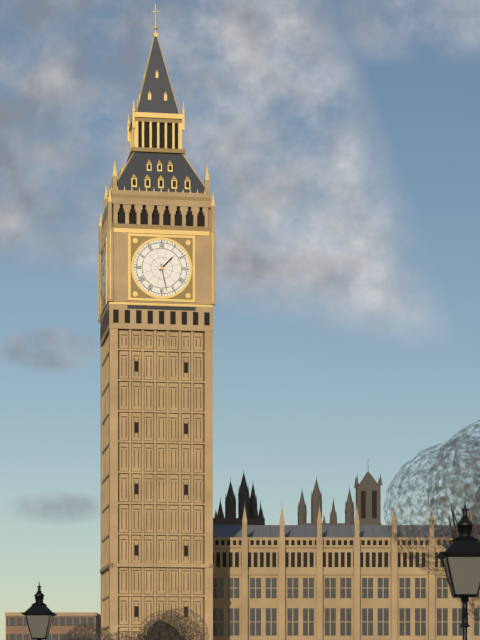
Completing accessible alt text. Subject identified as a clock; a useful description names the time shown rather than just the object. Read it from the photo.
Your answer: 1:28
